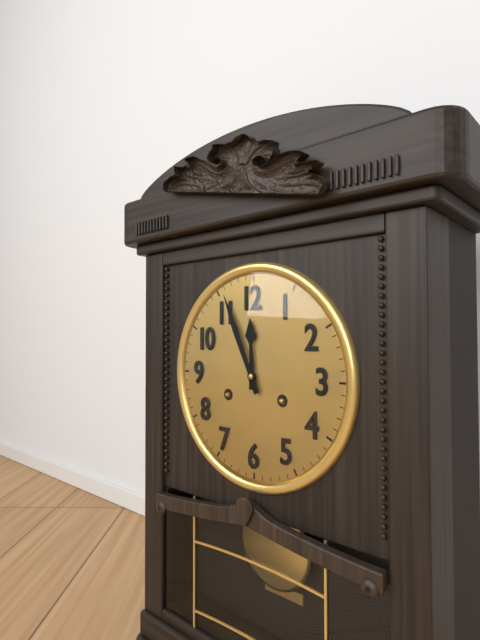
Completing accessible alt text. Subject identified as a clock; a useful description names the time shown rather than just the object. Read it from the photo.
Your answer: 11:56
